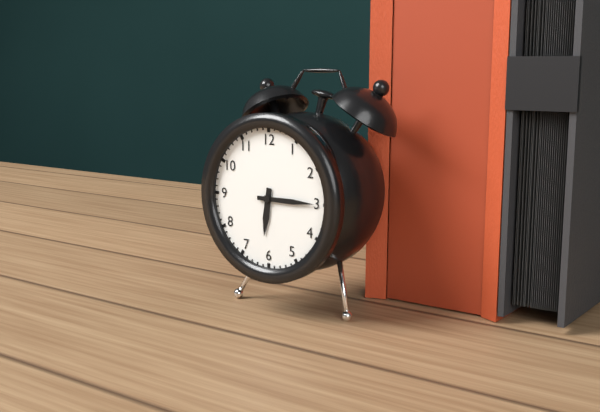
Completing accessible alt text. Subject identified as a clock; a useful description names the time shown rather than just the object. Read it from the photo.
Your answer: 6:15
